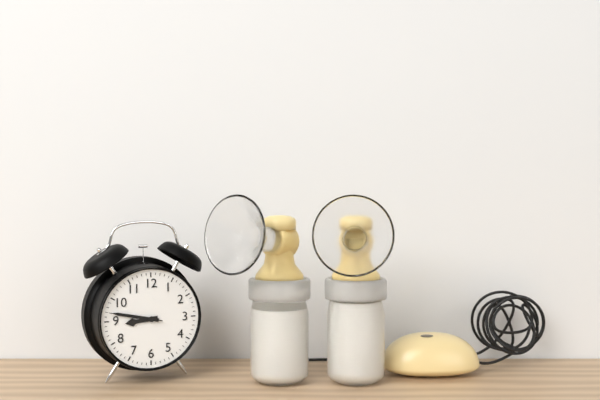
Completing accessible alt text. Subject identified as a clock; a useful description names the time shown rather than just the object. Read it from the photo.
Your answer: 8:47:47
